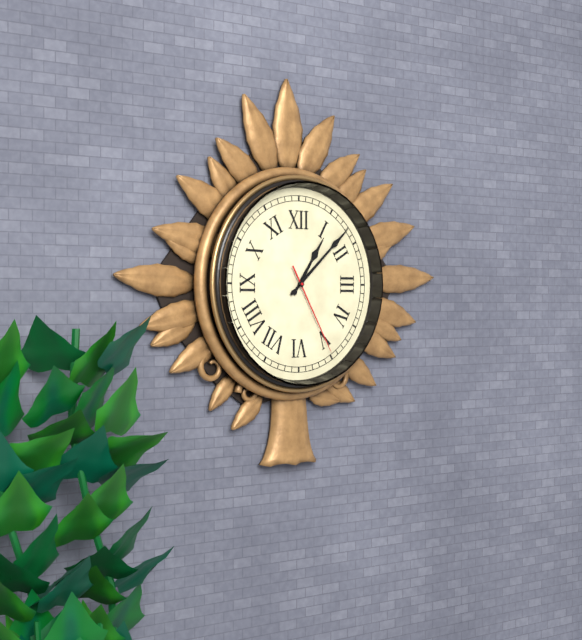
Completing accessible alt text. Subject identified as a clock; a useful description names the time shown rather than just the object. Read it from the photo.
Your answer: 1:08:25
